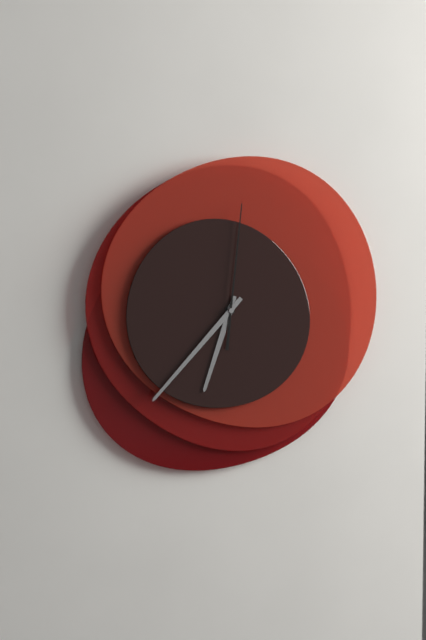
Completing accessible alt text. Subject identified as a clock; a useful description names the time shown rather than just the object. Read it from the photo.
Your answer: 6:37:01
